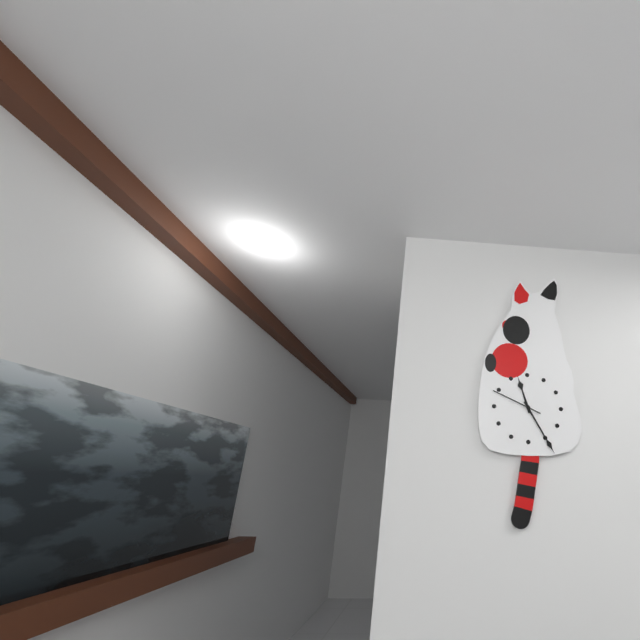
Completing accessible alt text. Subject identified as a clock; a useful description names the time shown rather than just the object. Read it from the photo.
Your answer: 11:25
